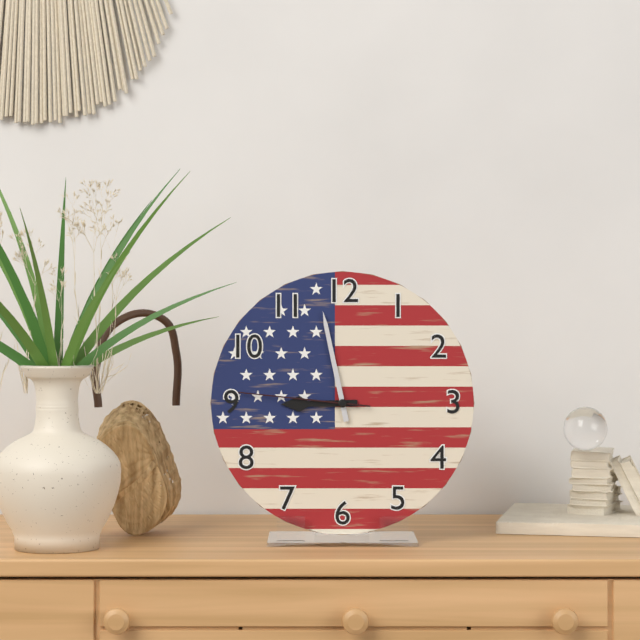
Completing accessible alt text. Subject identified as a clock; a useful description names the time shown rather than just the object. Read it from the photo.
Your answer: 8:58:46
